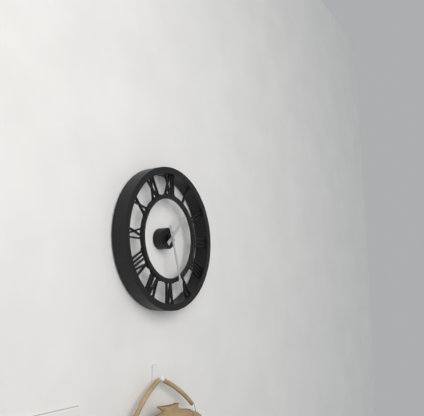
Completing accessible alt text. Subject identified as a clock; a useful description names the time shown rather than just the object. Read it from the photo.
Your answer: 1:27
